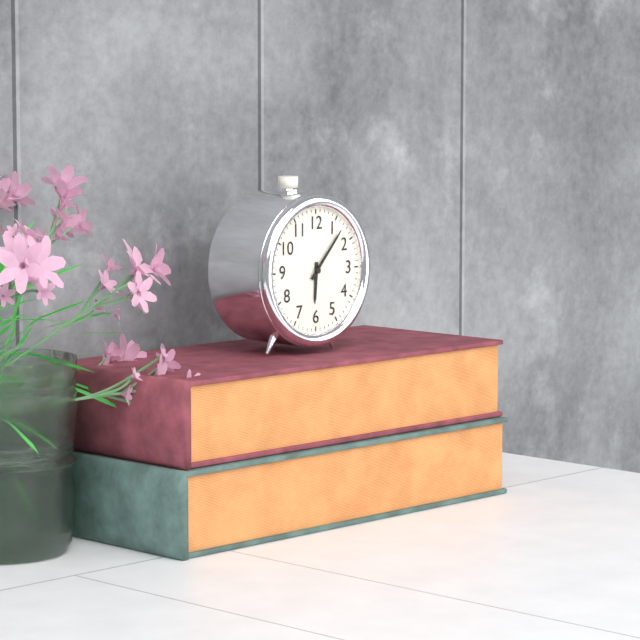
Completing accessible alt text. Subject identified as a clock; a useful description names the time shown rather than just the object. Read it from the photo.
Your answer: 6:07
